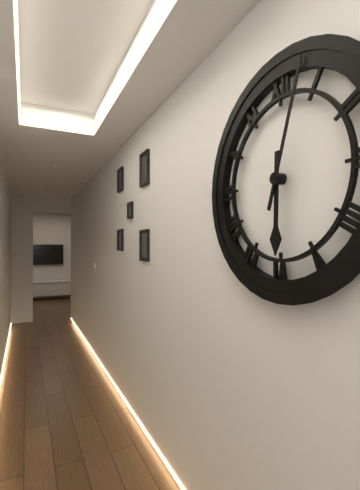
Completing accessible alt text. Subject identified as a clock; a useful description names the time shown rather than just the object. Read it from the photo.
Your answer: 6:03
